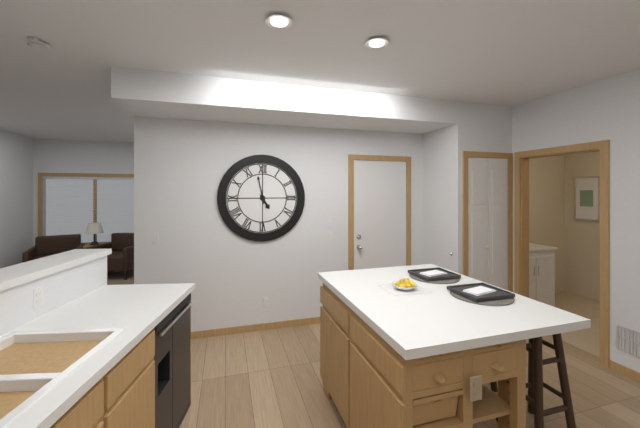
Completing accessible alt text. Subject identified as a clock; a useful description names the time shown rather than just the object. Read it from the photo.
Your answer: 4:58
